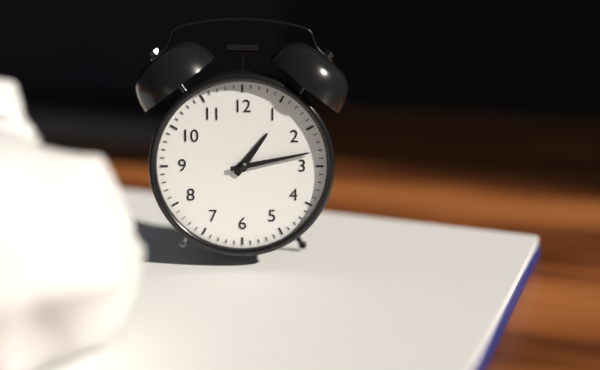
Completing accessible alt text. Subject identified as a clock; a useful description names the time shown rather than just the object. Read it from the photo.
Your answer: 1:13
